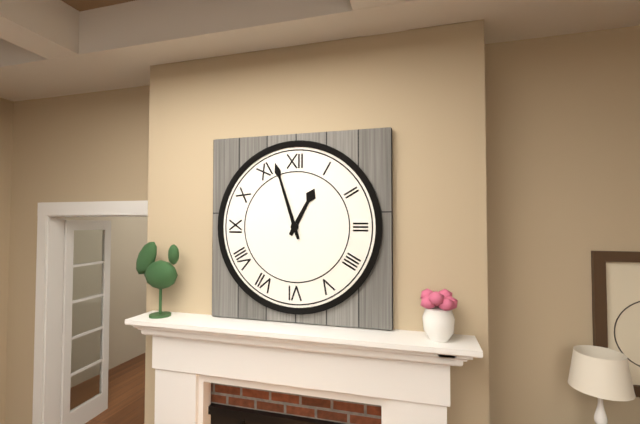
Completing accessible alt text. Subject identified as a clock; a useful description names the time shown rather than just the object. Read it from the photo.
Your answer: 12:57
